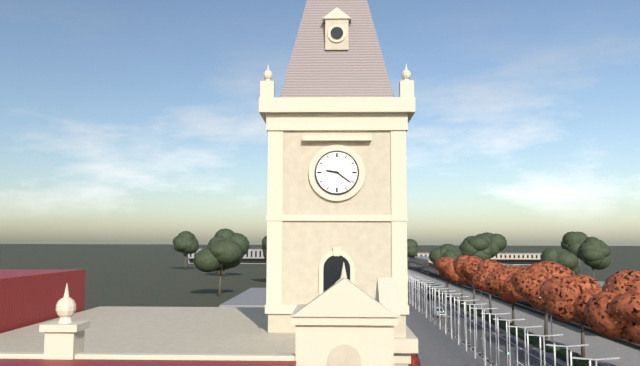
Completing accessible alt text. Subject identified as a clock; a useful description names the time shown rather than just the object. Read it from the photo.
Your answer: 9:21
